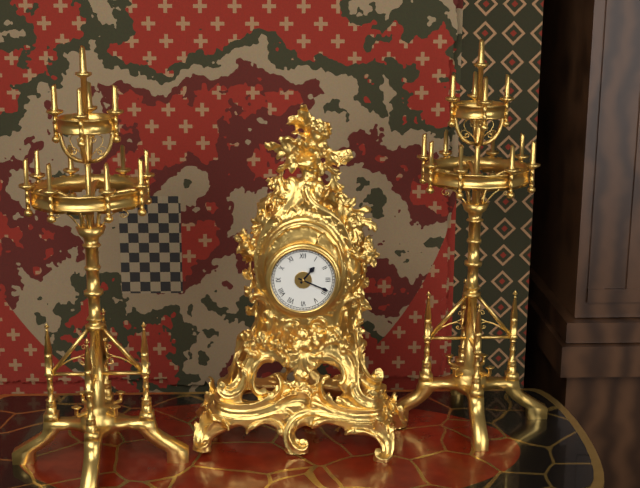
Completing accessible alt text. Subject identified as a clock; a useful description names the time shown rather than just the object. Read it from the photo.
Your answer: 1:19
